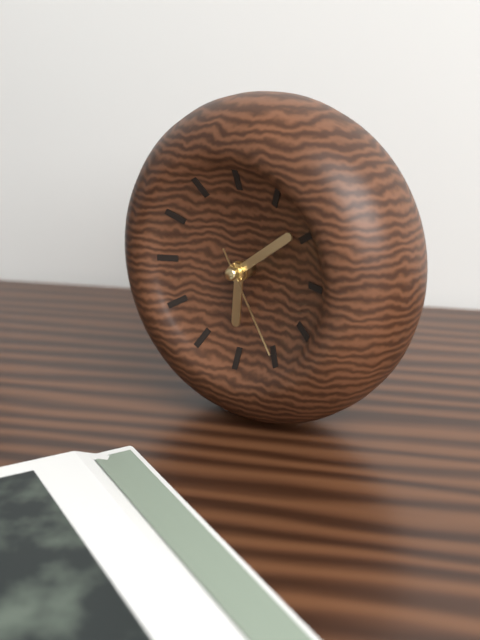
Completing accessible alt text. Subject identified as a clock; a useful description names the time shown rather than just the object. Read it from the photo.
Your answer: 6:09:25
